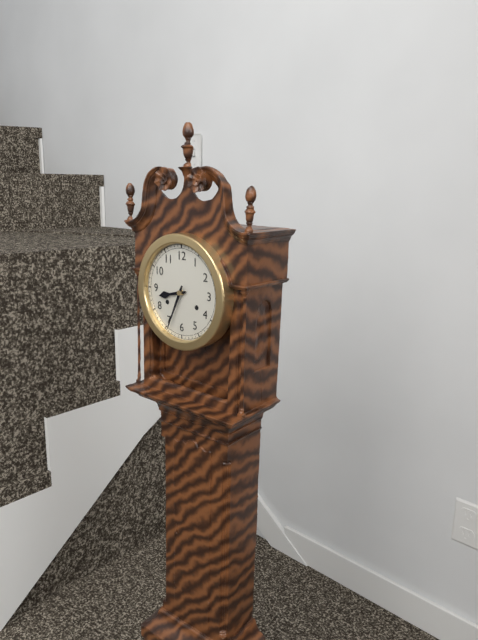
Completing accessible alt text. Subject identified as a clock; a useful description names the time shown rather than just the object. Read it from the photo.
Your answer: 8:34
